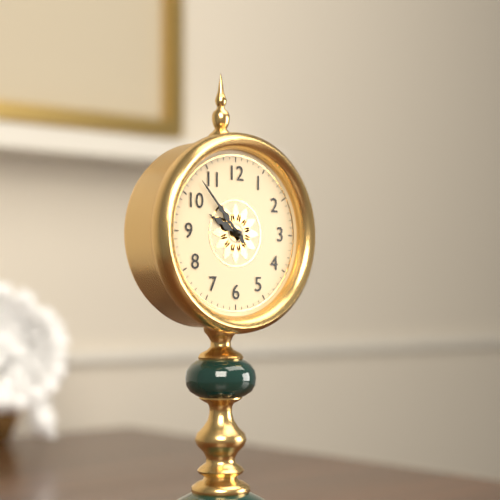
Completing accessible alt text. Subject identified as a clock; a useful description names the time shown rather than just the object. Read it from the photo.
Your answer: 9:53
